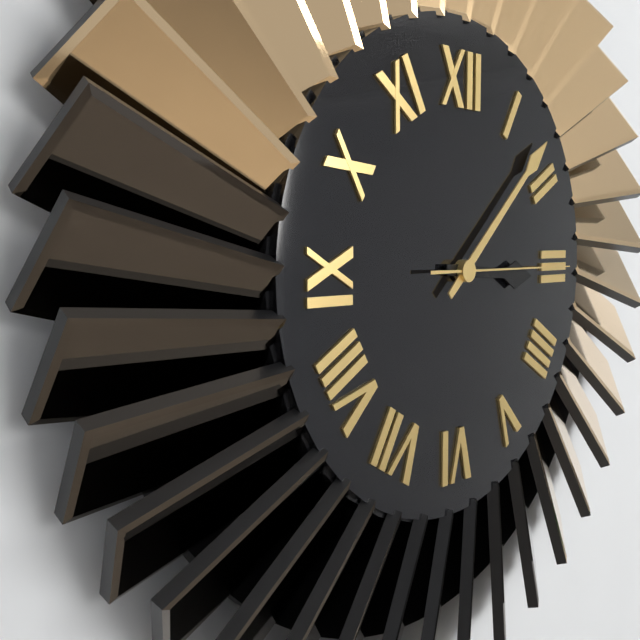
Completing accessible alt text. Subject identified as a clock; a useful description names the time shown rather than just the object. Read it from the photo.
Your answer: 3:08:15
